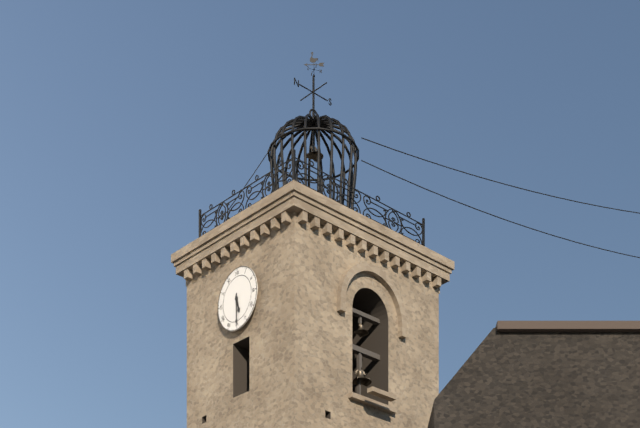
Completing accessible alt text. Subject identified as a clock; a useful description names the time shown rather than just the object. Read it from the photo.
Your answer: 5:30
